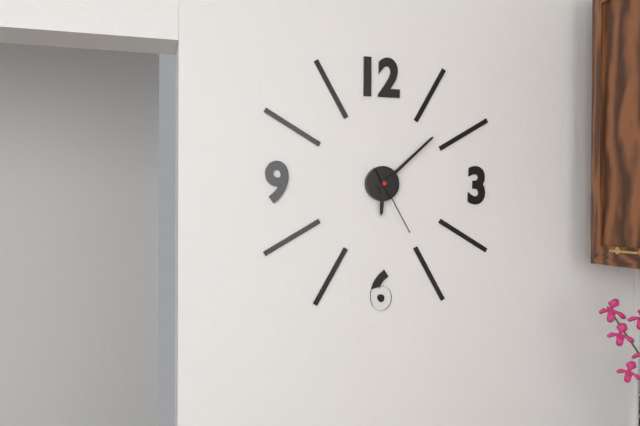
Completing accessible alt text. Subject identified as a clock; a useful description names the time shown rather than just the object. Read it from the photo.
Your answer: 6:08:25
